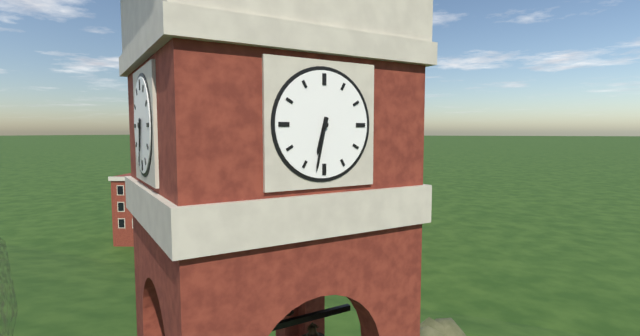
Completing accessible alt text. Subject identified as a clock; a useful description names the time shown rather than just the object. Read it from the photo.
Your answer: 6:32
